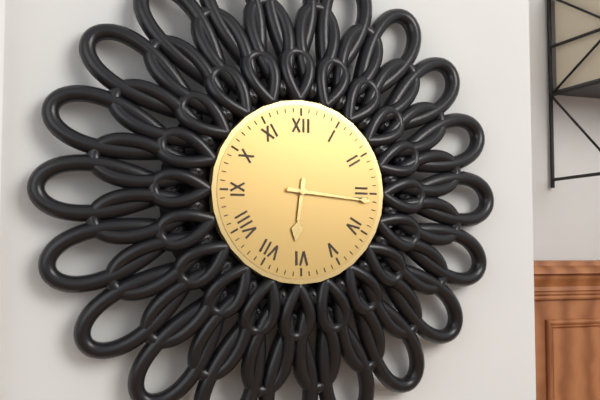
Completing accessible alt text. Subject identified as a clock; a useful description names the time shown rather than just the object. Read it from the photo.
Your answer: 6:16
